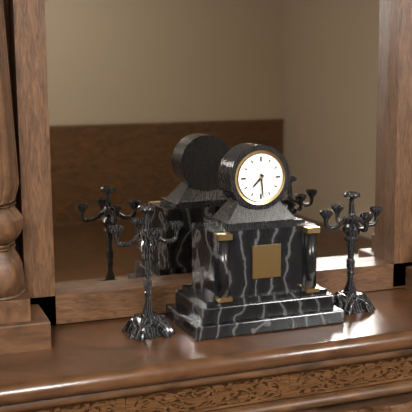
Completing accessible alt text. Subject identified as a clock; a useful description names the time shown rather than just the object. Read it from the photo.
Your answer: 7:29
